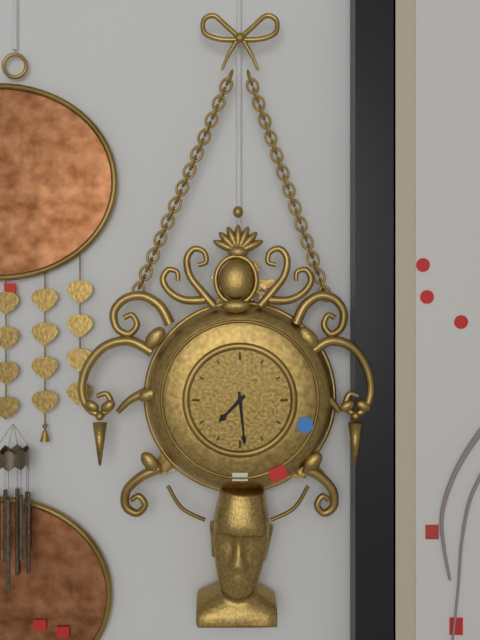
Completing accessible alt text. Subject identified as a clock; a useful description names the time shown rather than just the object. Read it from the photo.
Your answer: 7:29
